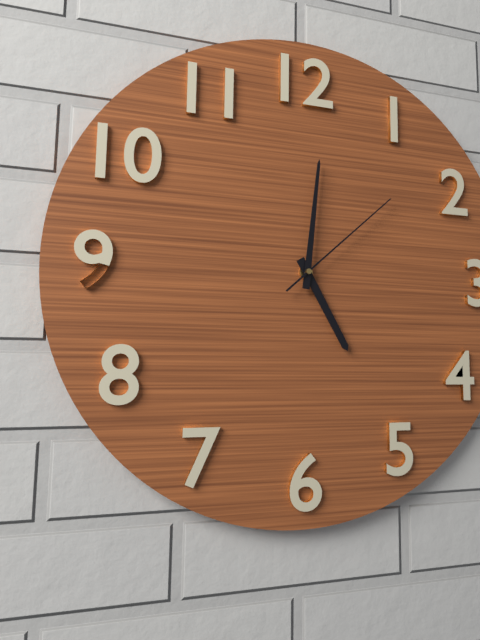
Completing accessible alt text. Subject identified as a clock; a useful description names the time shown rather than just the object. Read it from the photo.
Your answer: 5:01:08
